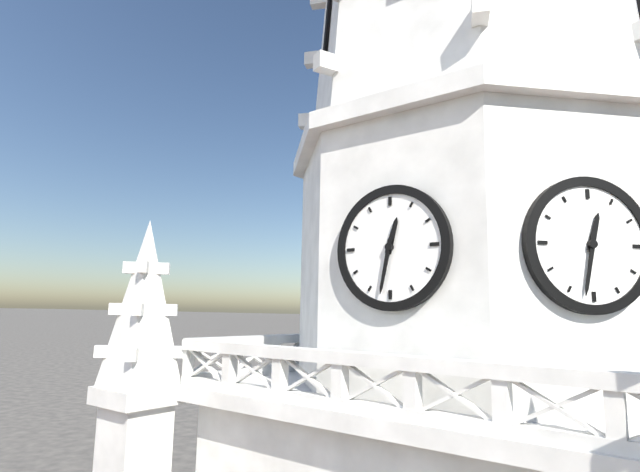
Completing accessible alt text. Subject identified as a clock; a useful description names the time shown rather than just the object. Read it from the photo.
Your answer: 12:32
